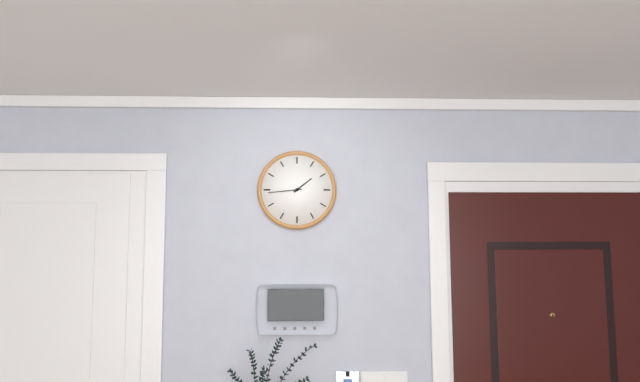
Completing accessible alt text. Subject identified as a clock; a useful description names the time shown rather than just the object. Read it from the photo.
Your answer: 1:44
